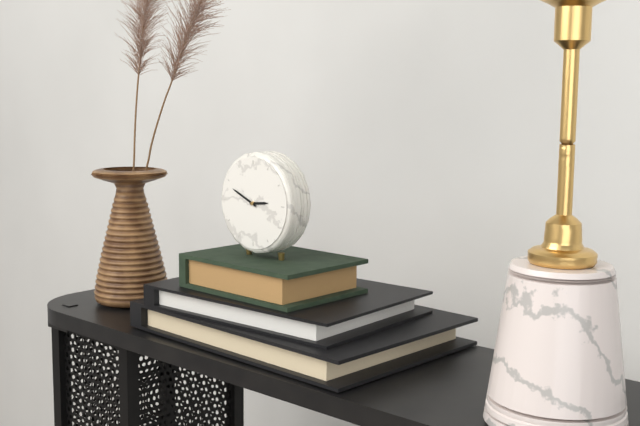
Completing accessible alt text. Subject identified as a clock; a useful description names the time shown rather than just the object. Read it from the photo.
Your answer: 2:49
